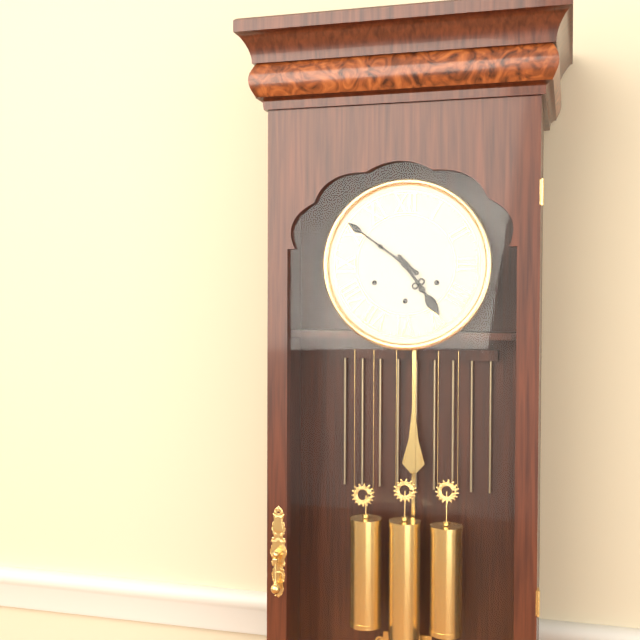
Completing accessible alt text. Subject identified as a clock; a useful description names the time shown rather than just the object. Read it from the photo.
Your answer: 4:51
